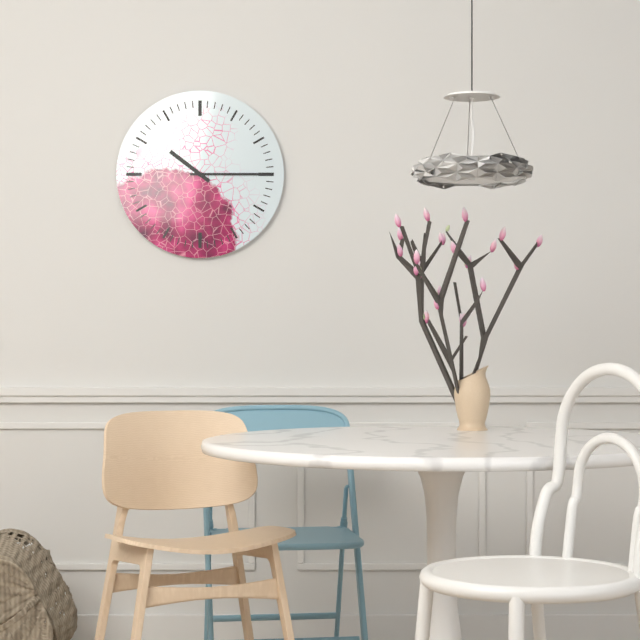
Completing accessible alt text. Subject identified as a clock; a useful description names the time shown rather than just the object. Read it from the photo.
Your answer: 10:15
